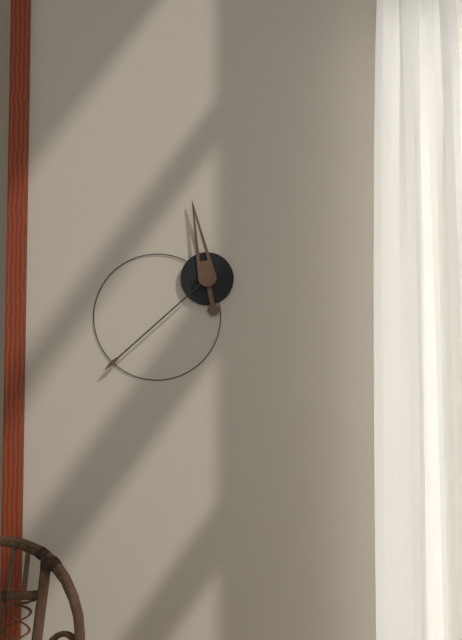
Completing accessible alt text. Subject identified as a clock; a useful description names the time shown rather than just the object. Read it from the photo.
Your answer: 11:38
